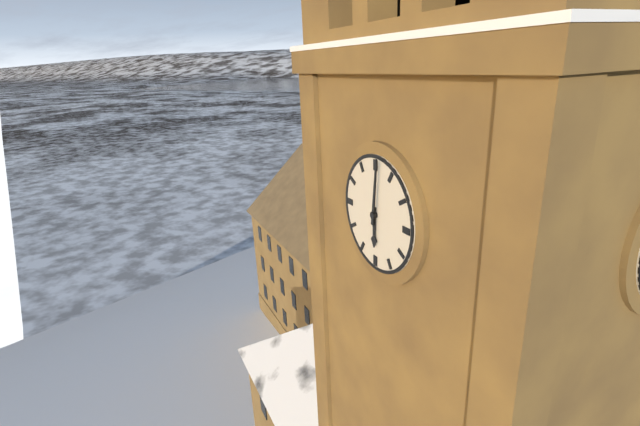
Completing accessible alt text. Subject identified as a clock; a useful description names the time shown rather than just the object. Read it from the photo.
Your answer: 6:01
